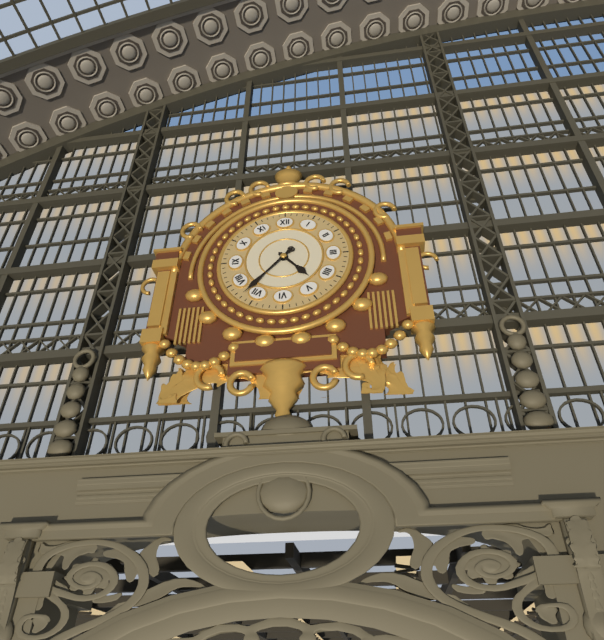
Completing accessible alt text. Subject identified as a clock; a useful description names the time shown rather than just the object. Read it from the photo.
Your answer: 4:37
